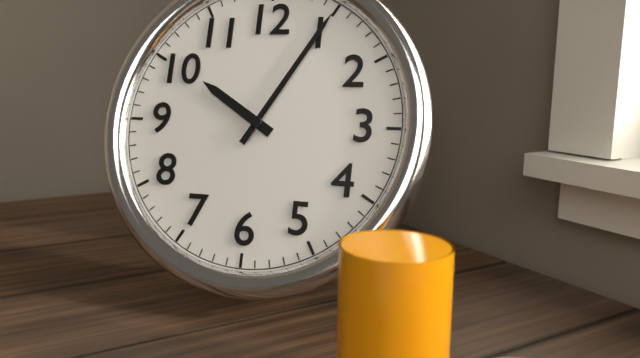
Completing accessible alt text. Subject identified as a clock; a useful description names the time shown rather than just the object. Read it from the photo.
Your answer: 10:05
